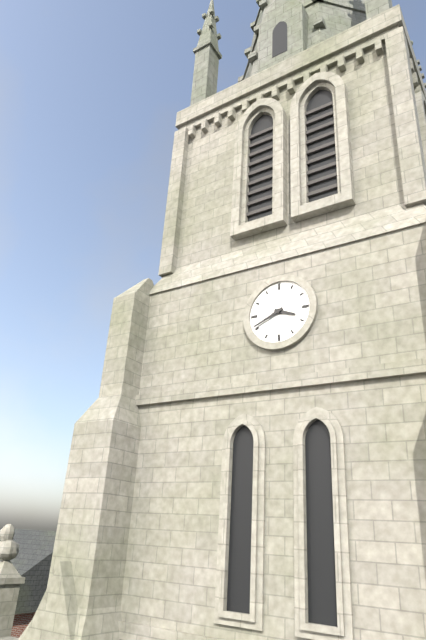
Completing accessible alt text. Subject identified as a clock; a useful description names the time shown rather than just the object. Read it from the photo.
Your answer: 3:41
